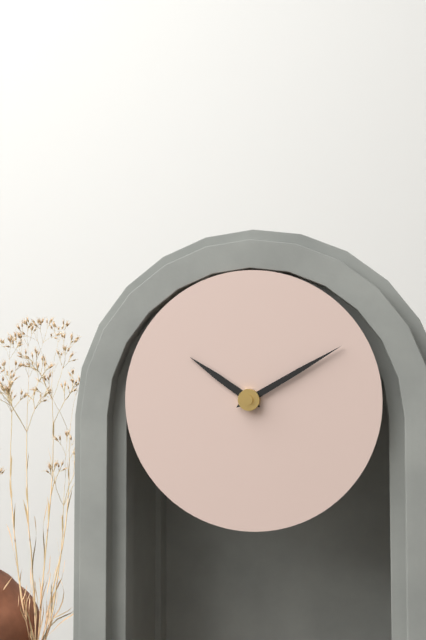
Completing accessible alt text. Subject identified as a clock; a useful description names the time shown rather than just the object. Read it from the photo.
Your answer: 10:10
